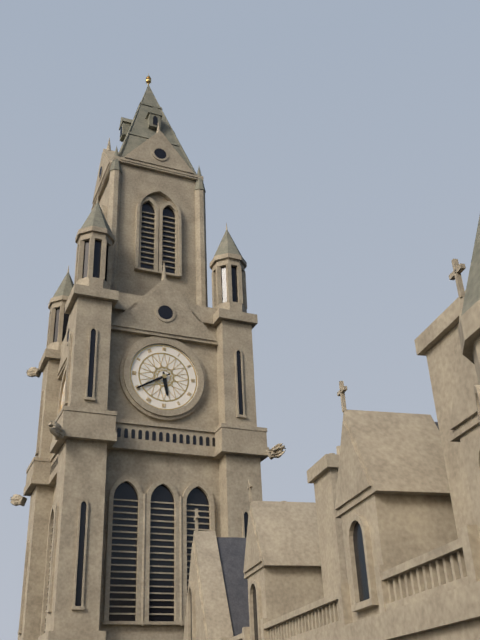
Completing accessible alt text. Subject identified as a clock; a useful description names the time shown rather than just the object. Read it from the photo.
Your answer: 5:40
